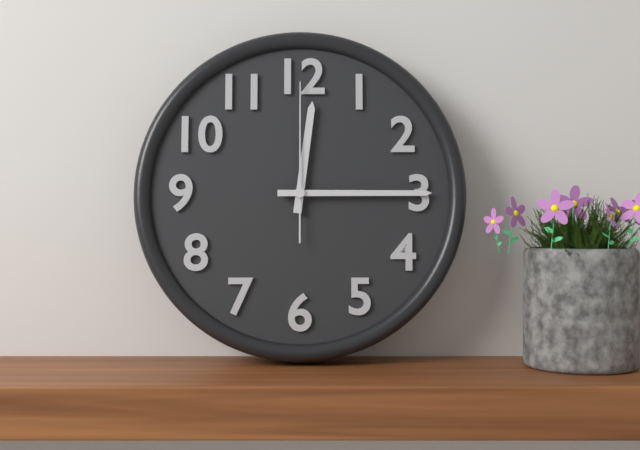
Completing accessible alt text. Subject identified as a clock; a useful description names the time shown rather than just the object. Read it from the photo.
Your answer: 12:15:00
